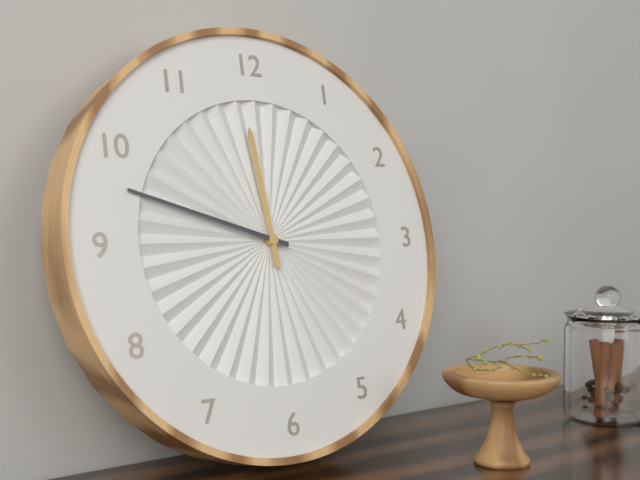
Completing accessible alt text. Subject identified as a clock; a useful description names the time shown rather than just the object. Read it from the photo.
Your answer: 11:48
